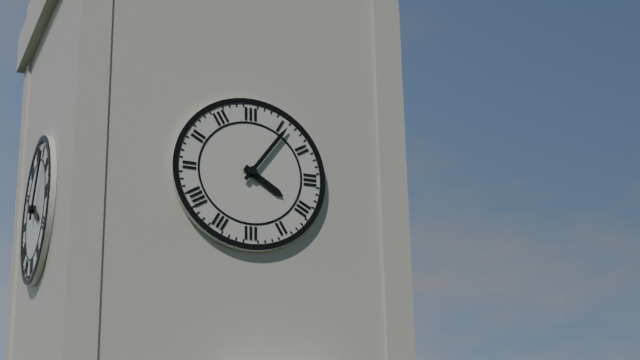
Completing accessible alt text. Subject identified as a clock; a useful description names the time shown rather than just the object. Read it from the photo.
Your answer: 4:06
